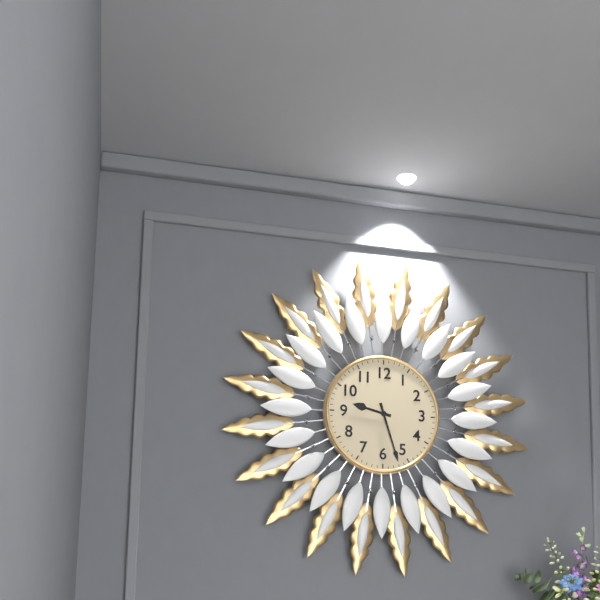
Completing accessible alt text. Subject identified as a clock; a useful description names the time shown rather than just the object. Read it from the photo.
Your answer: 9:27
